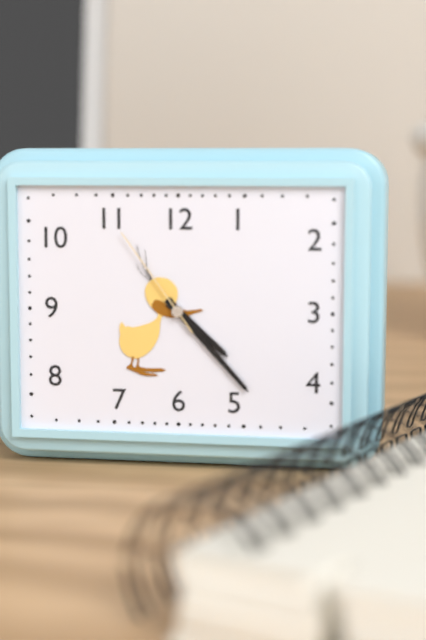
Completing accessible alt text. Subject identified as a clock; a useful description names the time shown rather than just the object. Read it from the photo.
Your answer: 4:23:54
